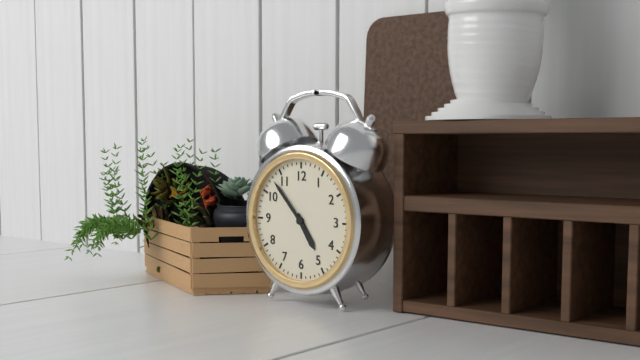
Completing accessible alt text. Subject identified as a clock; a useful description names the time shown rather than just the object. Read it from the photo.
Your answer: 4:53
